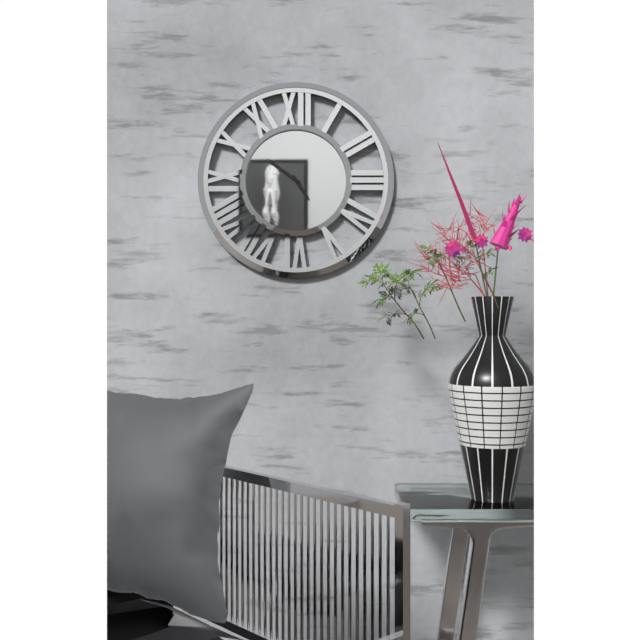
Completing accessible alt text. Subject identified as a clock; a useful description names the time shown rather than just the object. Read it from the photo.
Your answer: 4:51
